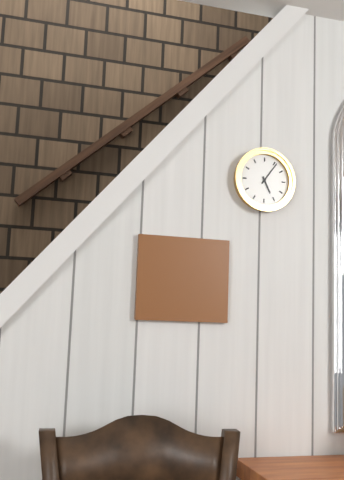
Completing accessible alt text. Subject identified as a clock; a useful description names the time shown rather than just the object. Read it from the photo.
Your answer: 5:06
